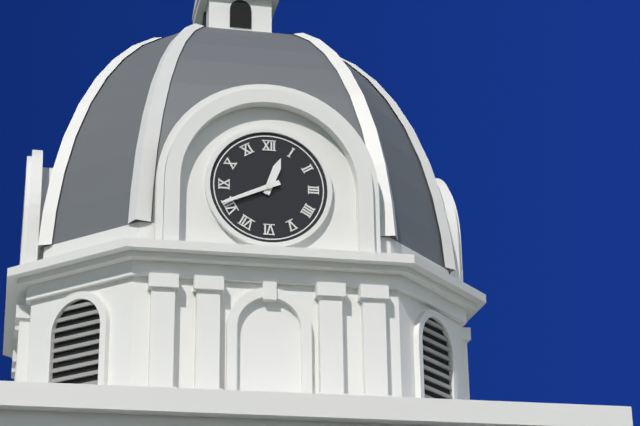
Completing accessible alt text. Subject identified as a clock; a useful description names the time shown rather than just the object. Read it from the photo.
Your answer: 12:41
